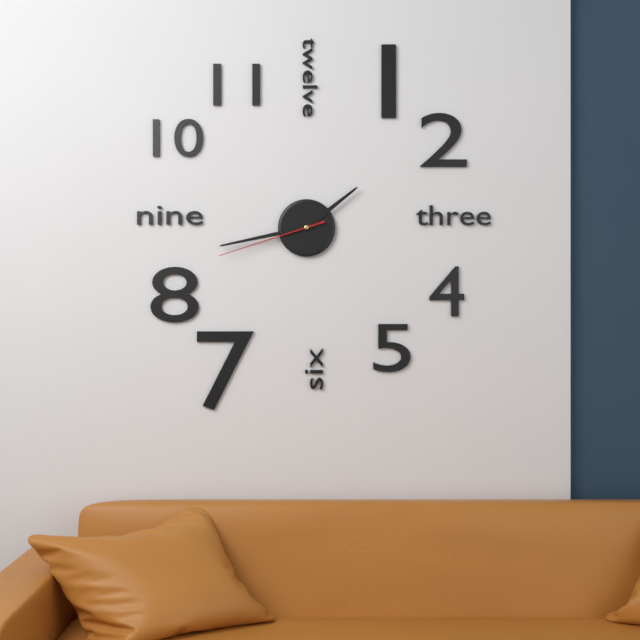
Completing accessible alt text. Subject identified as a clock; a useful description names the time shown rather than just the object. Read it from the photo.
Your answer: 1:43:42
